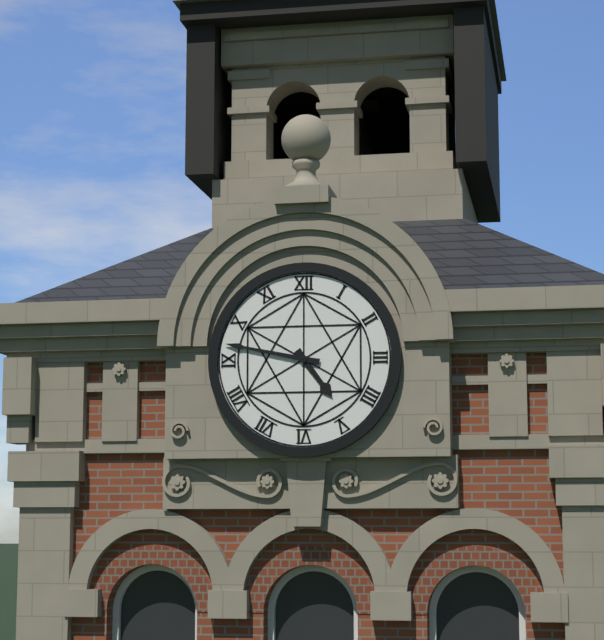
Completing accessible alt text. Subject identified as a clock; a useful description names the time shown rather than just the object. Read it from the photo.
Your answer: 4:47
